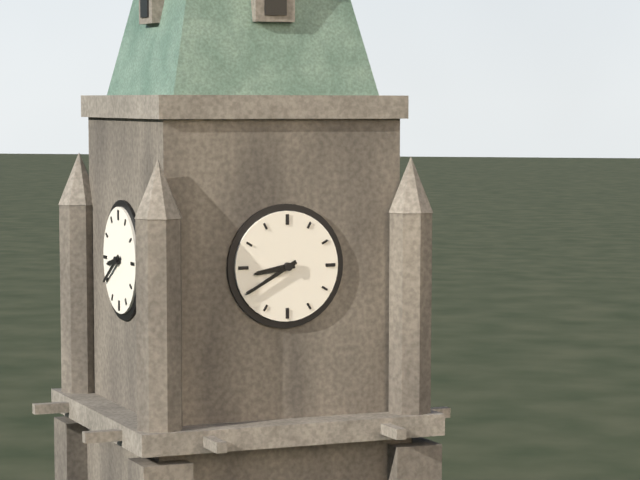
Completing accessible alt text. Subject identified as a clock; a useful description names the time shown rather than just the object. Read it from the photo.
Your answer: 8:40
